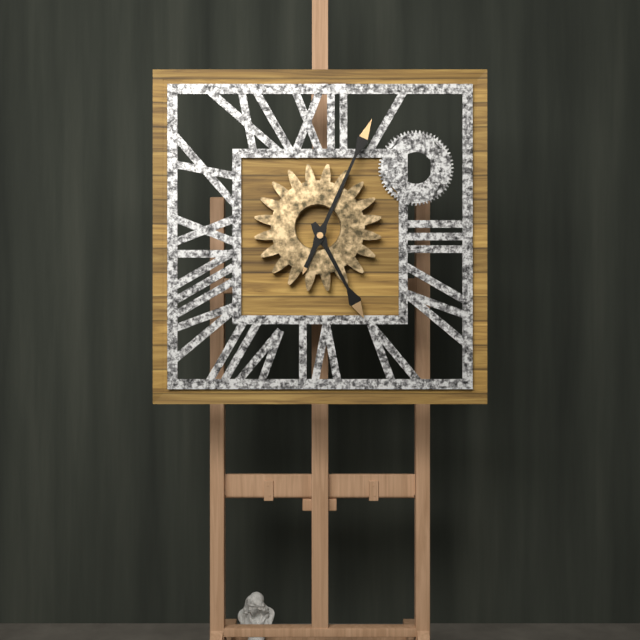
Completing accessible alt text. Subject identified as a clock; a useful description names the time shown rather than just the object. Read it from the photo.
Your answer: 5:04
